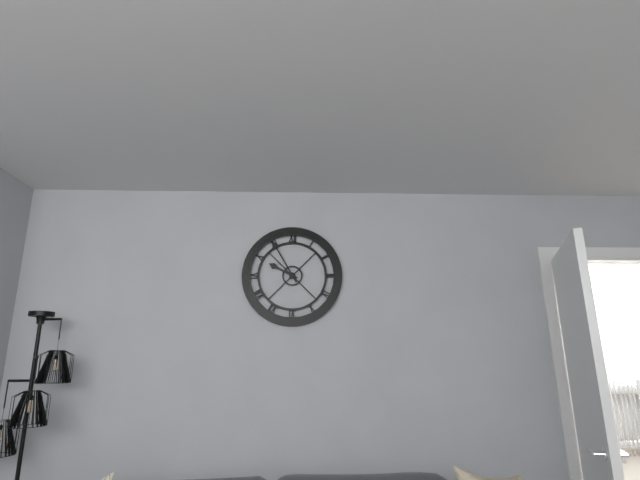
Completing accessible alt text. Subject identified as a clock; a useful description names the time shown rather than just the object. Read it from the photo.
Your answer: 9:55
